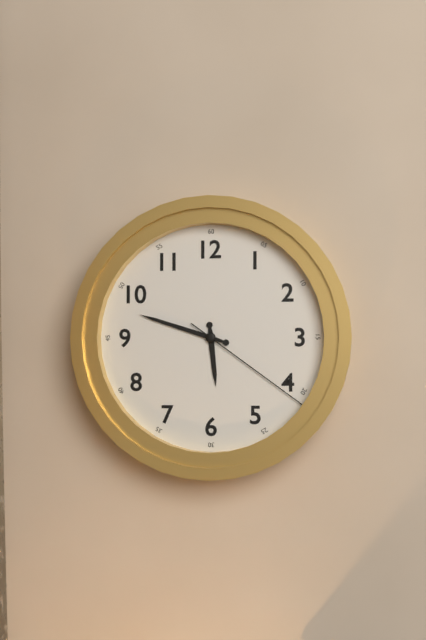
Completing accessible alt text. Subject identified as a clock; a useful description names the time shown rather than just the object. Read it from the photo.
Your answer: 5:48:21
